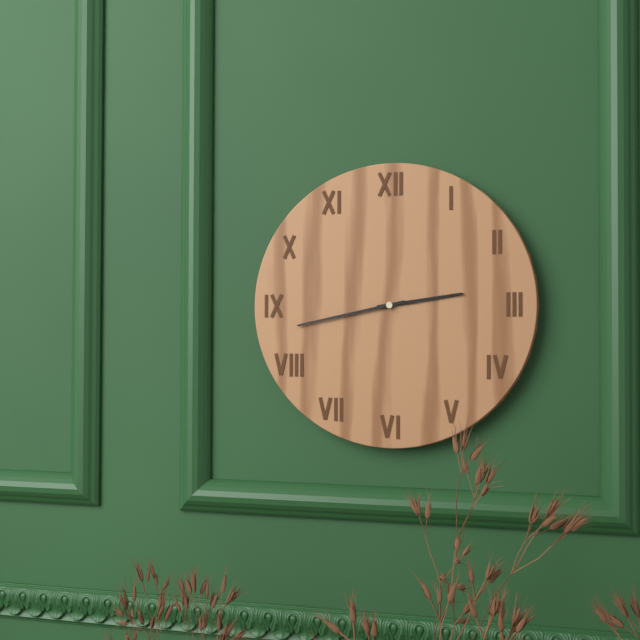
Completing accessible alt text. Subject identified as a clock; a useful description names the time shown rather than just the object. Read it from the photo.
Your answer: 2:43
